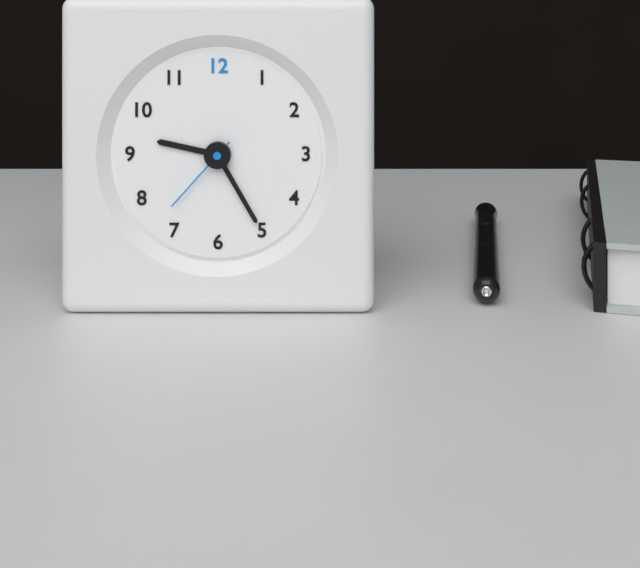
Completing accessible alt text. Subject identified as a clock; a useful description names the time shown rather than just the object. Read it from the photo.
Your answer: 9:25:37
